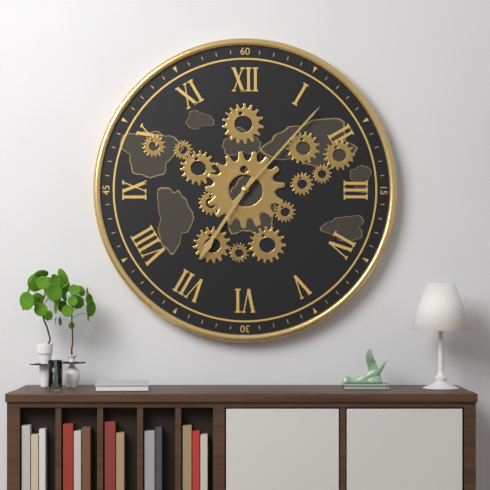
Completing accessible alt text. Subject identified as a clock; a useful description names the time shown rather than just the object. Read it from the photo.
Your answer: 7:07
